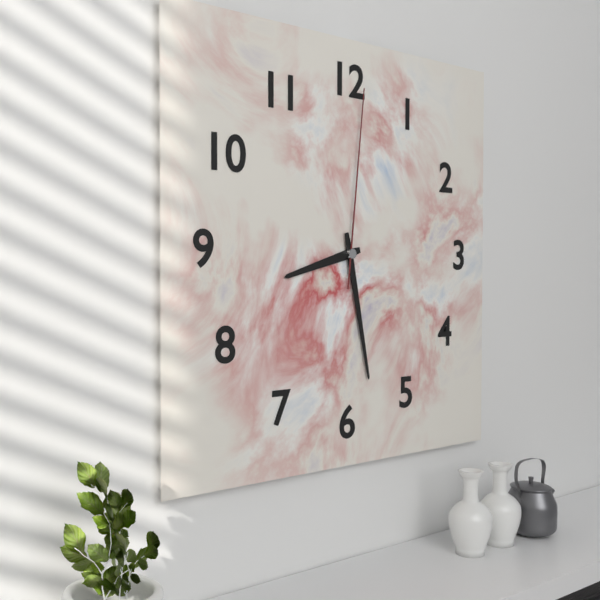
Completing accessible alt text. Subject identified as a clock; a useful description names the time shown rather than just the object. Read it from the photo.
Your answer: 8:28:01
